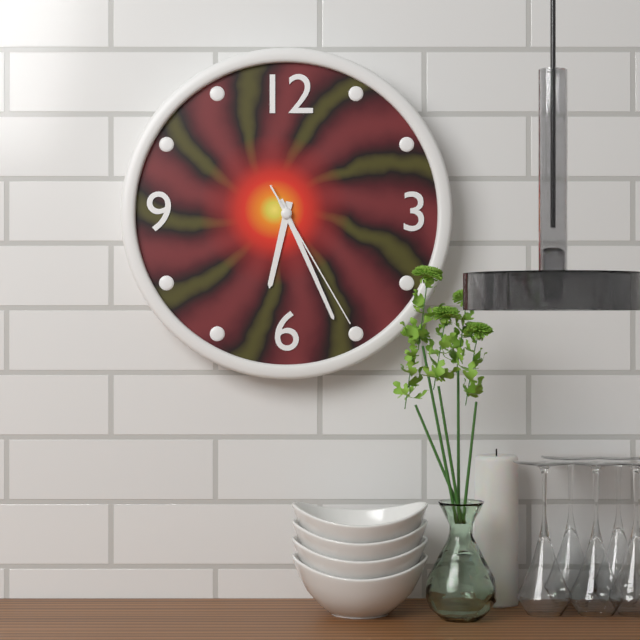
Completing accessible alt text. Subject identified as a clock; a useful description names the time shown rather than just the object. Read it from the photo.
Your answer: 6:26:25
